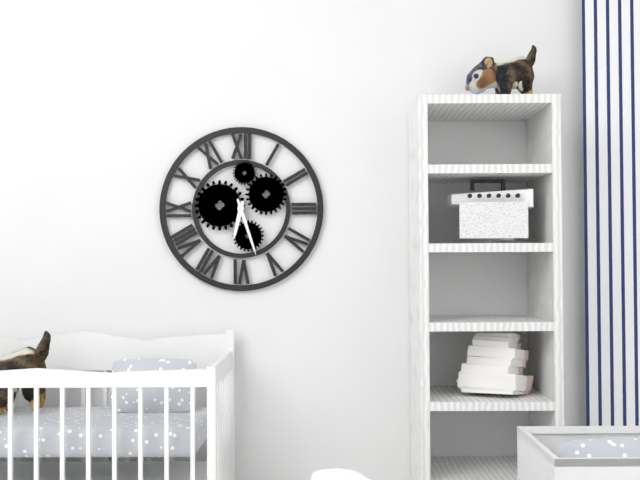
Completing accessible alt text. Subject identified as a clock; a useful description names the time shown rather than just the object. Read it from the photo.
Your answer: 6:27
